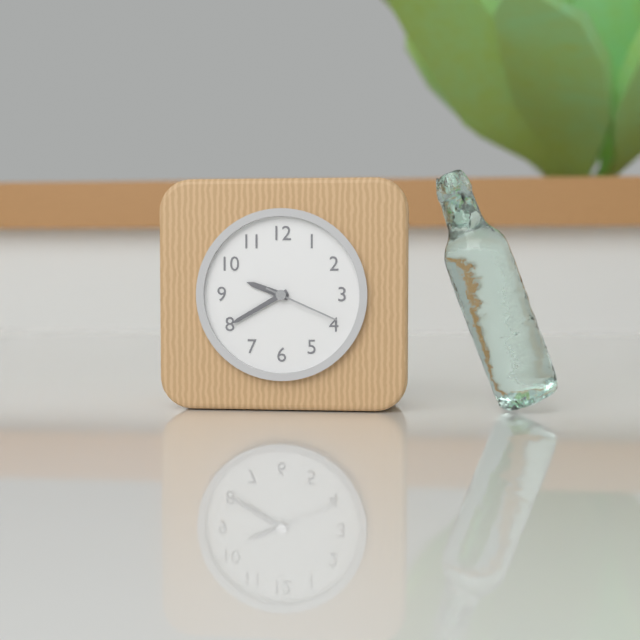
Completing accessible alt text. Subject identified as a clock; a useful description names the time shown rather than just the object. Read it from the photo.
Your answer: 9:40:19
